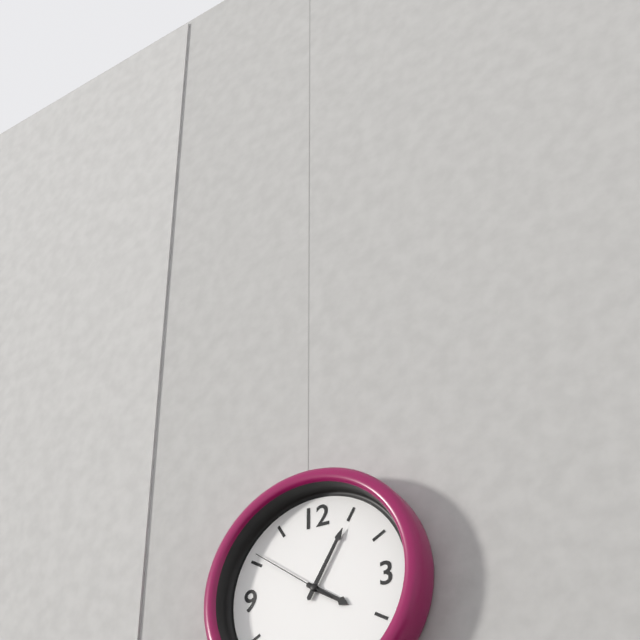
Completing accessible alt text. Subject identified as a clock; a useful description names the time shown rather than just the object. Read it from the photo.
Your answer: 4:05:51
